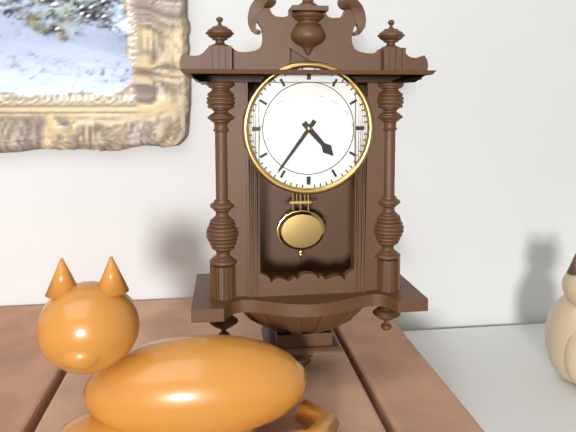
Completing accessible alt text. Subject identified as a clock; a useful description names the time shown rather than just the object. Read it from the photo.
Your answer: 4:36
